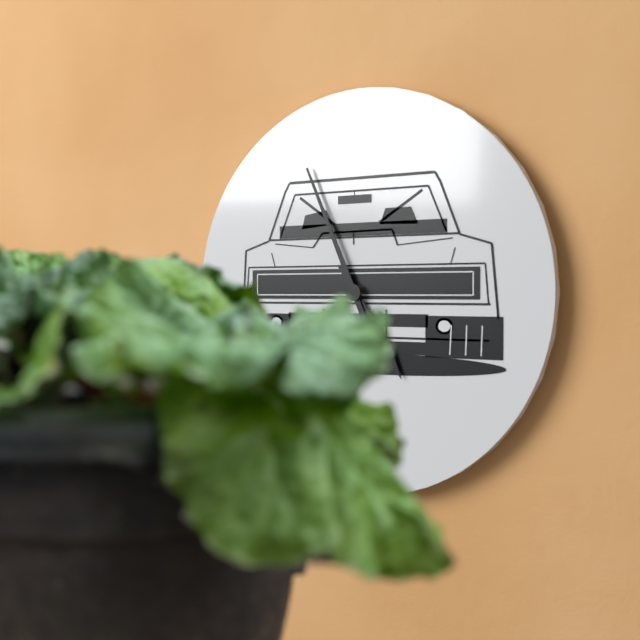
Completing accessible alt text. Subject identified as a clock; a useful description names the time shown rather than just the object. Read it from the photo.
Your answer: 4:56
